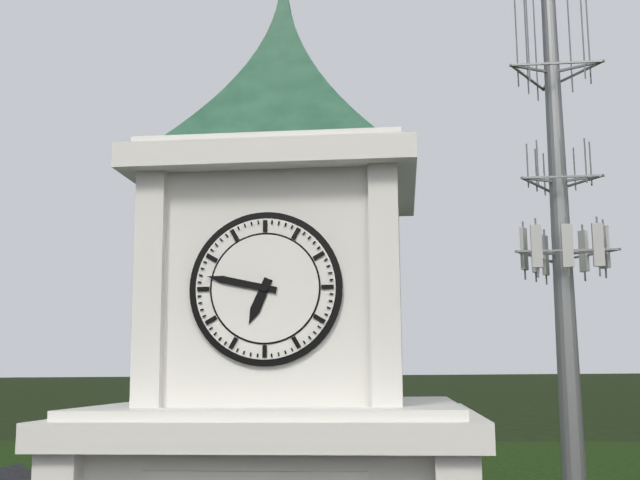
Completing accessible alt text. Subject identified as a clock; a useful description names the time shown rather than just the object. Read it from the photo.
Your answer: 6:47
